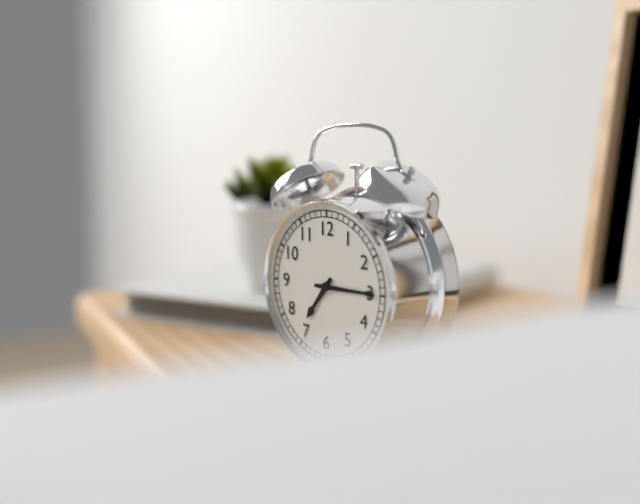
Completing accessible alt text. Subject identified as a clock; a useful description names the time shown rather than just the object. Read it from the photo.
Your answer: 7:15
